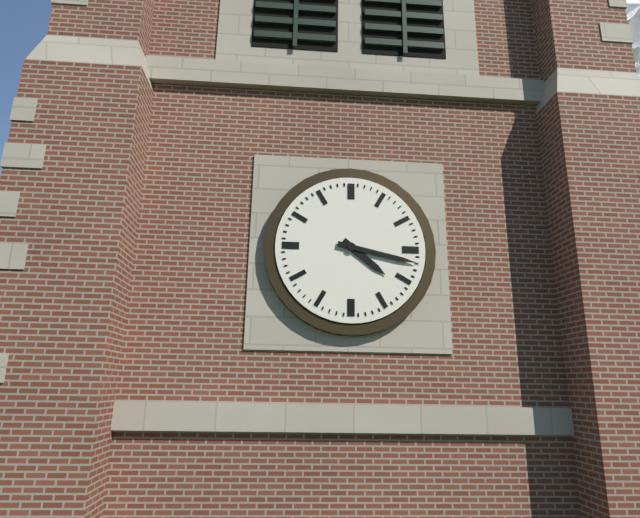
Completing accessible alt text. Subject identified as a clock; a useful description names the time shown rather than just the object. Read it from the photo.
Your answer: 4:17
